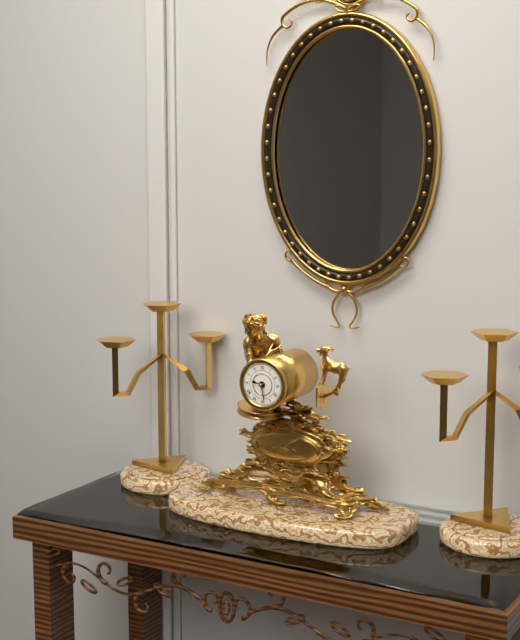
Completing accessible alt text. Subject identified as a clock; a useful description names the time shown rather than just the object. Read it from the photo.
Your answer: 9:28
